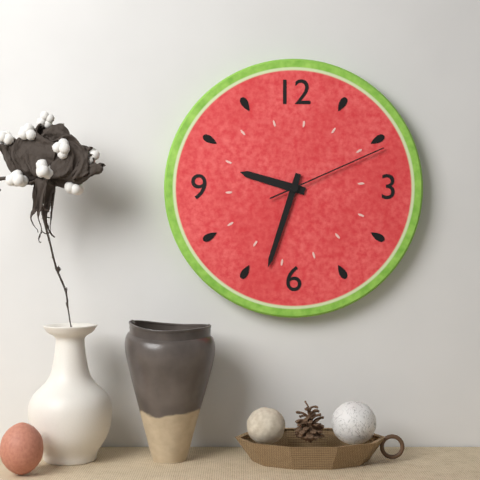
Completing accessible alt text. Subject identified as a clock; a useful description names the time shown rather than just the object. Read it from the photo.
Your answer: 9:33:11
